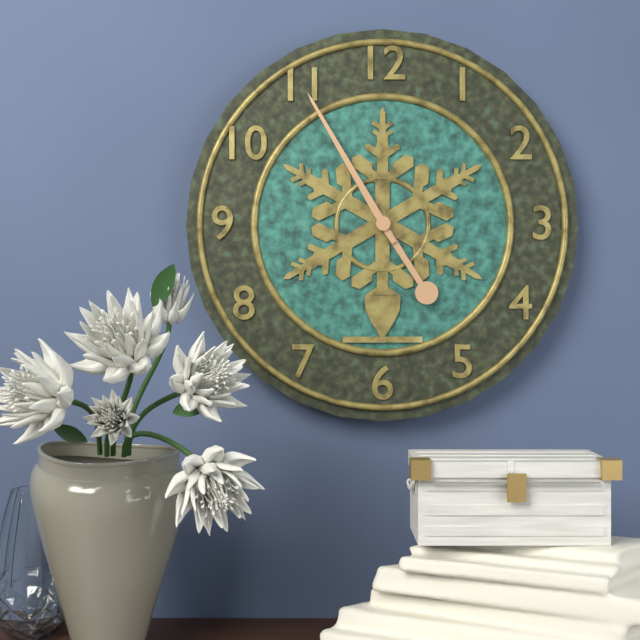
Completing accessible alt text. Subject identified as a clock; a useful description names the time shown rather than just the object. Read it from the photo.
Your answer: 4:55
